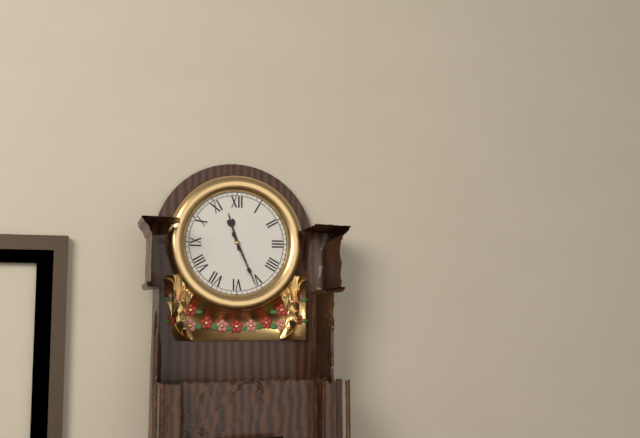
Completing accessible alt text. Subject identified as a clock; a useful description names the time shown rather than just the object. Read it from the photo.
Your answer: 11:26
